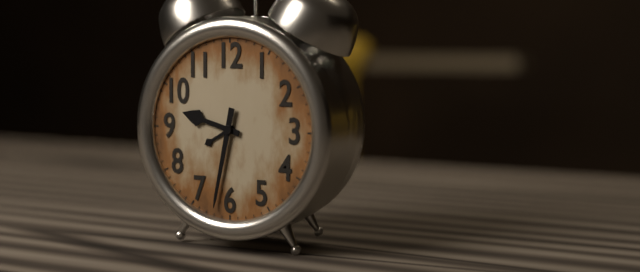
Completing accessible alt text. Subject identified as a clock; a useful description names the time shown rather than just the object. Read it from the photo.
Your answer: 9:32
